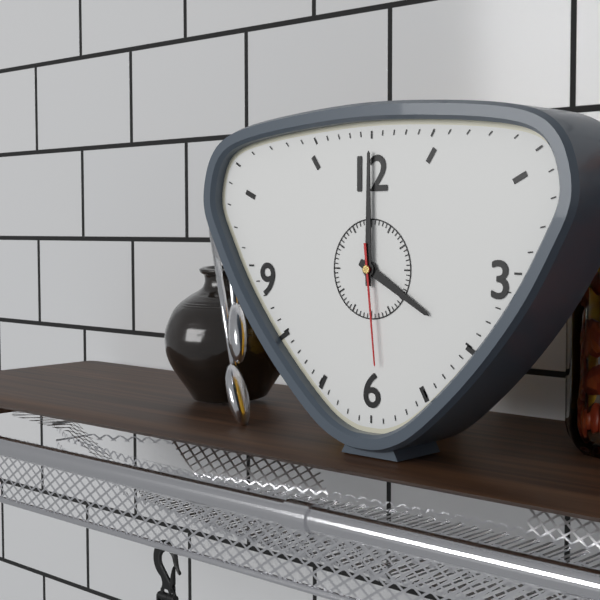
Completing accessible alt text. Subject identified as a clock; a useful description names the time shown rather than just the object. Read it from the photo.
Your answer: 4:00:29
